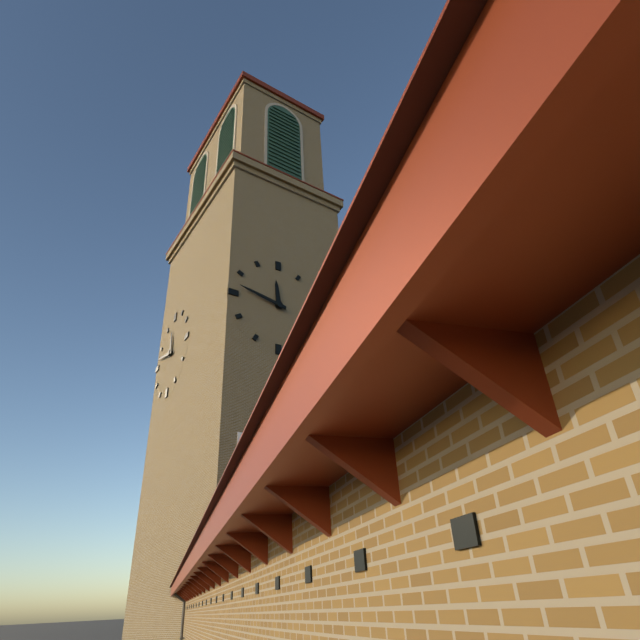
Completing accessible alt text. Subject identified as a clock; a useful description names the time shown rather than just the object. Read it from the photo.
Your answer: 11:47
